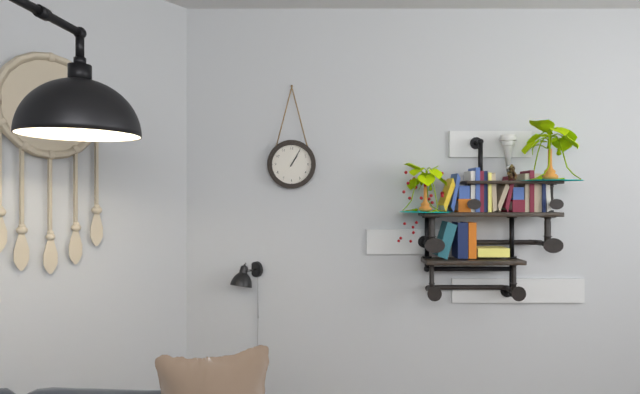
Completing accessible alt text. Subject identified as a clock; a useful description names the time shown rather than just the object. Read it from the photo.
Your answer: 1:05
